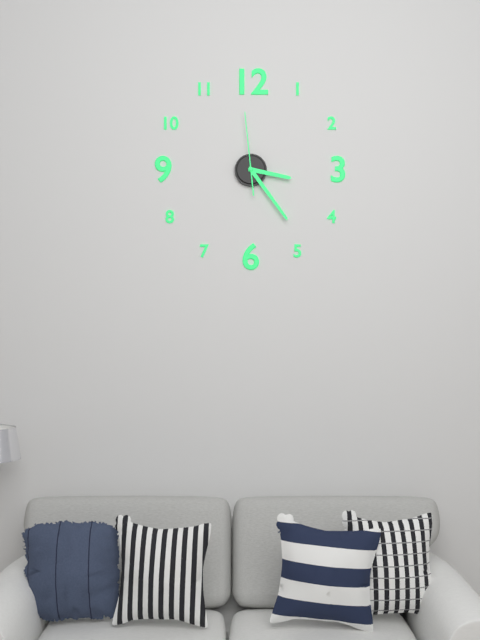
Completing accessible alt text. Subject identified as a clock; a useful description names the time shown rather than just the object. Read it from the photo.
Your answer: 3:24:59
